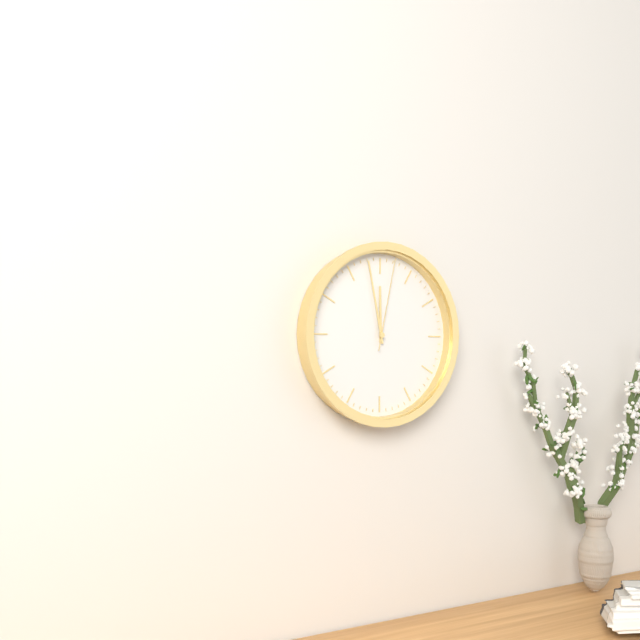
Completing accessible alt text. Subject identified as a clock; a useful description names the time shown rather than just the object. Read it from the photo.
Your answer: 11:58:02
